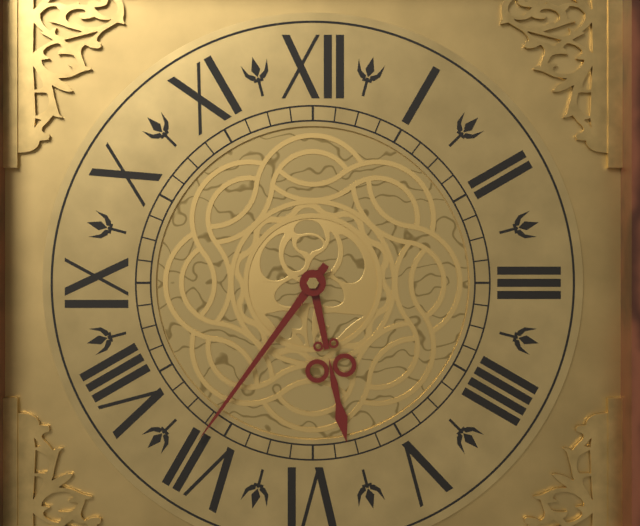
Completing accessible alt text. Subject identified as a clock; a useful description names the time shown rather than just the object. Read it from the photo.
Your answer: 5:36
